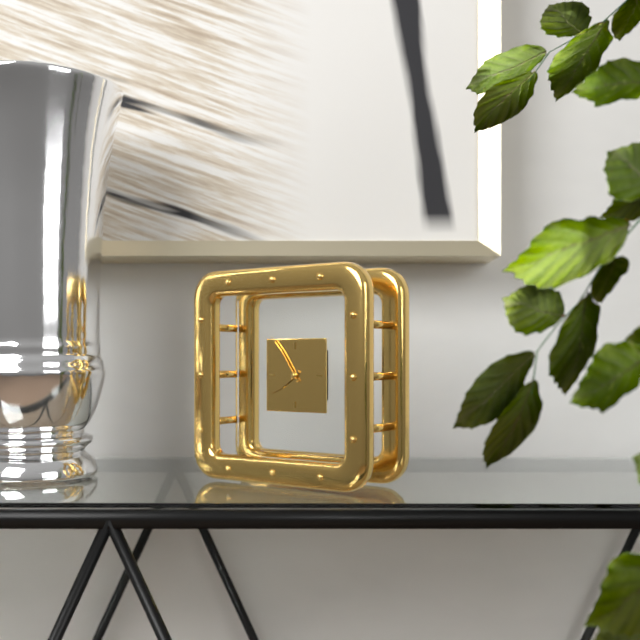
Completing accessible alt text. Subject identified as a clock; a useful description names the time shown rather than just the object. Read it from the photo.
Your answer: 7:54
